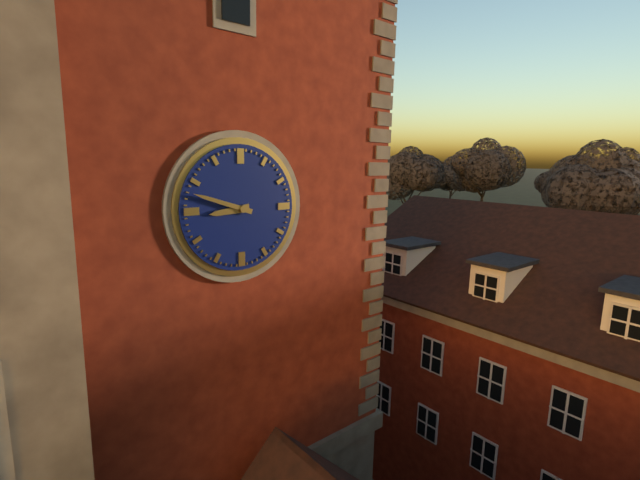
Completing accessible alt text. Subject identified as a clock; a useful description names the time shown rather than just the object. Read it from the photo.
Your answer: 8:48
